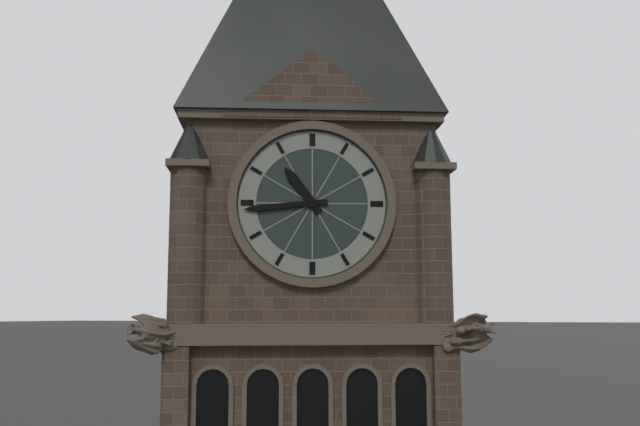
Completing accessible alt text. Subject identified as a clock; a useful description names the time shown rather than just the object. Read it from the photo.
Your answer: 10:44
